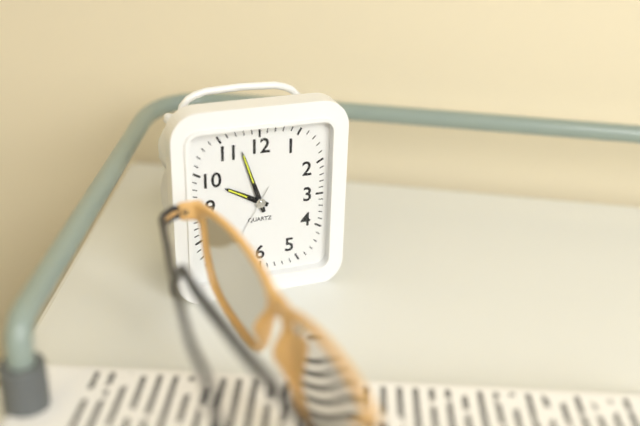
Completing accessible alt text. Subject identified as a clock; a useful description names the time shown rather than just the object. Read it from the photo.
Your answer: 9:57:35
